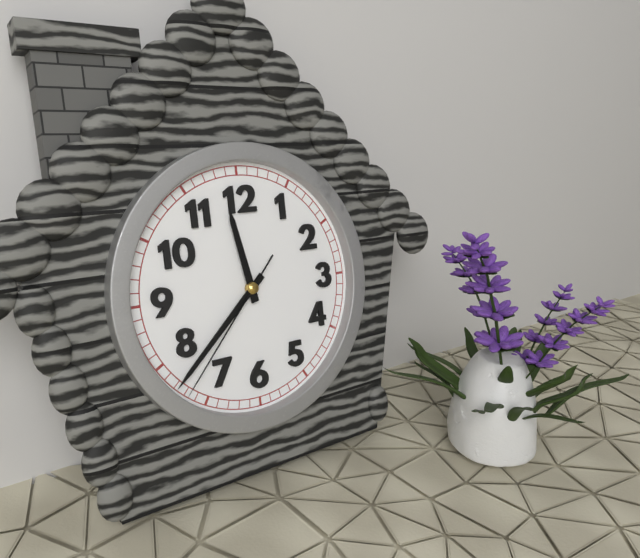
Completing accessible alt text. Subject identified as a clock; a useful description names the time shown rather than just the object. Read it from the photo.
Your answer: 11:38:37
